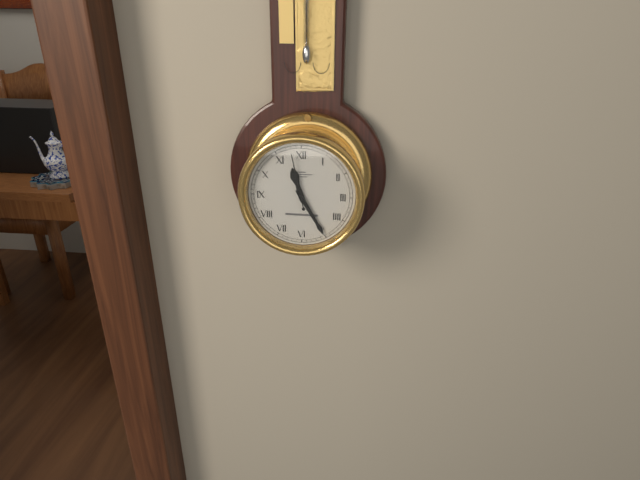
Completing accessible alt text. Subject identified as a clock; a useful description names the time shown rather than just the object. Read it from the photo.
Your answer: 11:25:58
